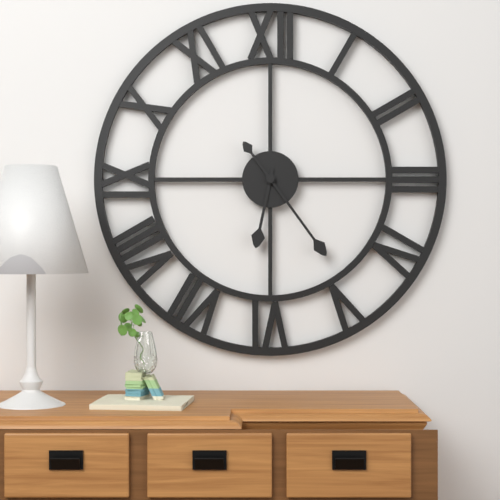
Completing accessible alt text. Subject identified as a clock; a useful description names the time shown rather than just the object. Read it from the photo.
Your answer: 6:24
